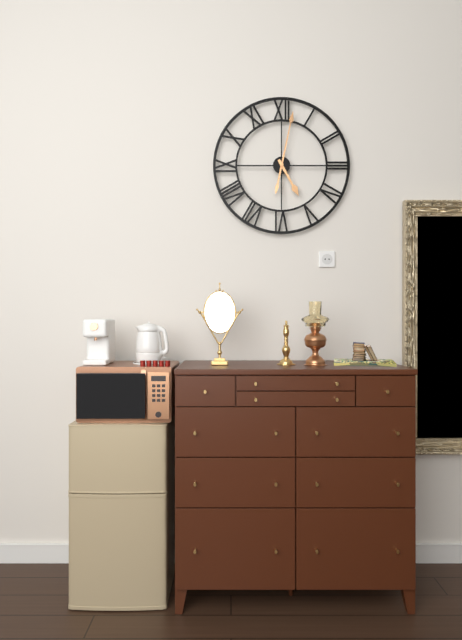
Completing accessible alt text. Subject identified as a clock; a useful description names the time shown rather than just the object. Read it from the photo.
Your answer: 5:02
